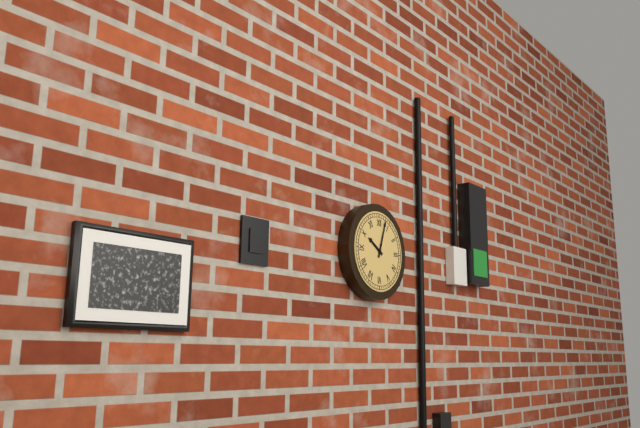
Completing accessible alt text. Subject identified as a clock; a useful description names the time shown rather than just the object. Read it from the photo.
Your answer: 10:03
